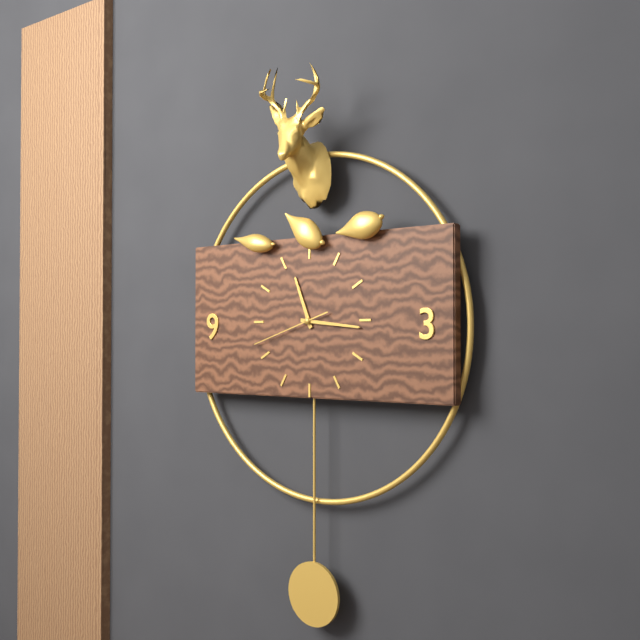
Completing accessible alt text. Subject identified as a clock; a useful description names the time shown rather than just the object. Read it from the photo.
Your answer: 11:16:42
